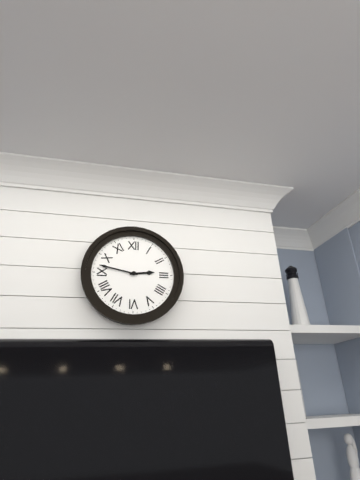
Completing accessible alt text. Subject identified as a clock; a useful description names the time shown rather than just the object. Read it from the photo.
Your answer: 2:47
